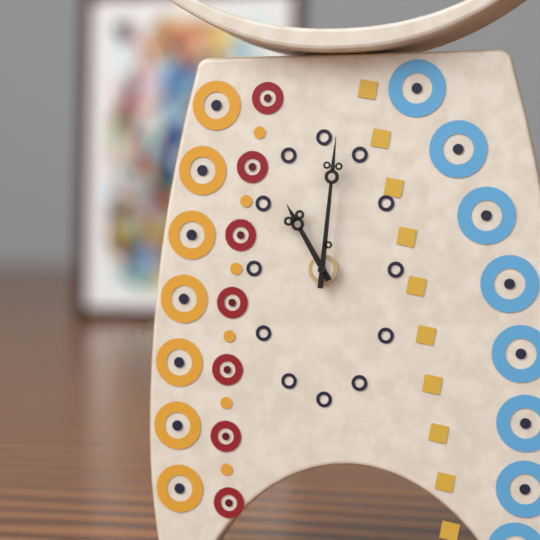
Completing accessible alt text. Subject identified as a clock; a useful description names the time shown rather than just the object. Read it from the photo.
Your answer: 11:01
